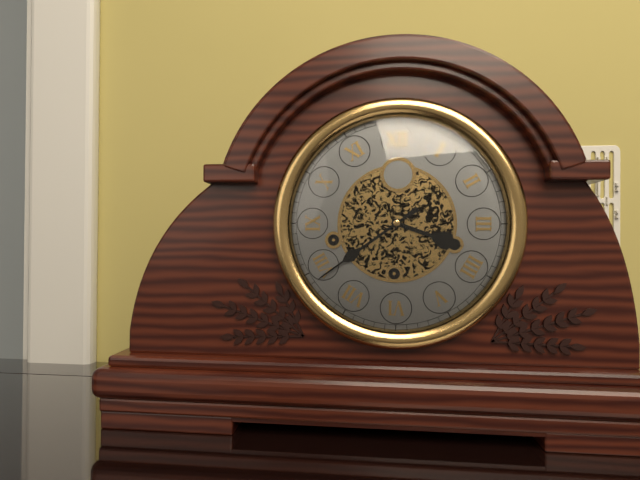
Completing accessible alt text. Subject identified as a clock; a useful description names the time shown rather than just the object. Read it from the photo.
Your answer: 3:39
